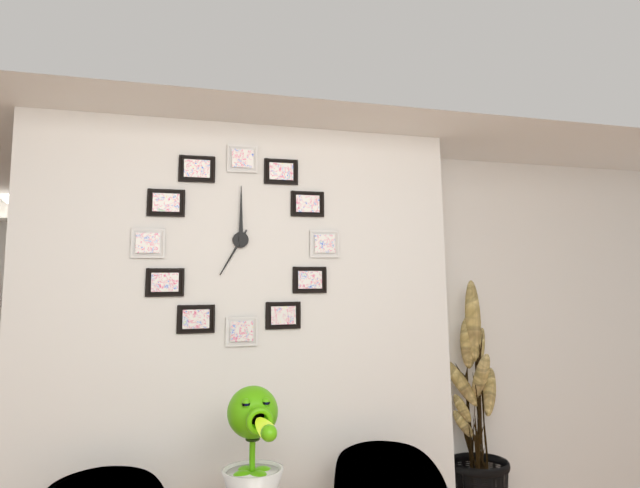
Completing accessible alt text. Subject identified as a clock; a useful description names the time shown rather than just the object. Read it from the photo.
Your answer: 7:00
